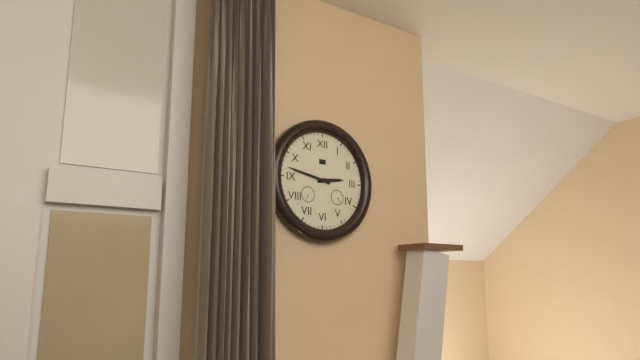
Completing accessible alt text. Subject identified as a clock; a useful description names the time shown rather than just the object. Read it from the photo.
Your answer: 2:47
